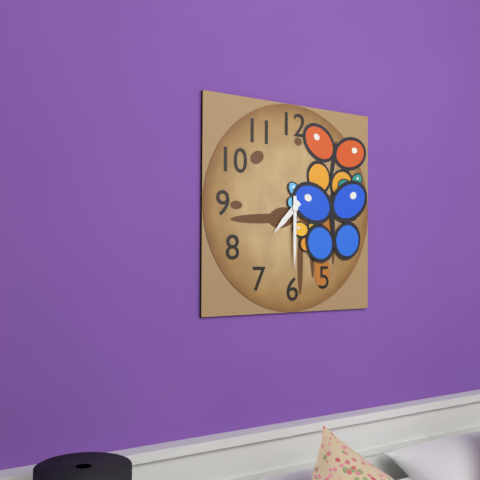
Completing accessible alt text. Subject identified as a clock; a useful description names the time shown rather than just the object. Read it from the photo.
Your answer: 7:30
